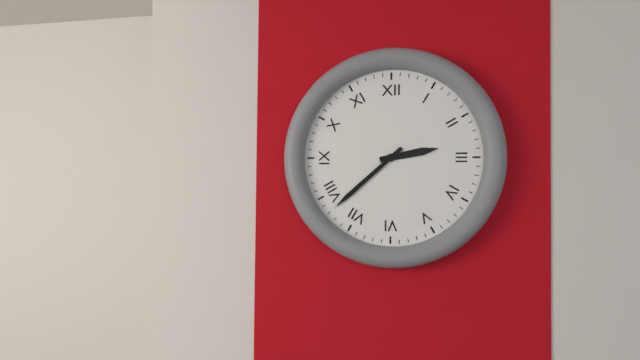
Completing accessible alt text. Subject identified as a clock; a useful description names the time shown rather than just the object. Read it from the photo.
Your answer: 2:38
